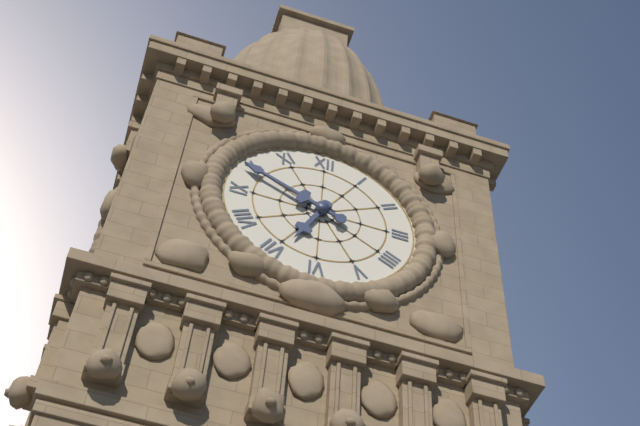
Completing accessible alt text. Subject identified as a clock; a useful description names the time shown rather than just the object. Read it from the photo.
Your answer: 6:49
